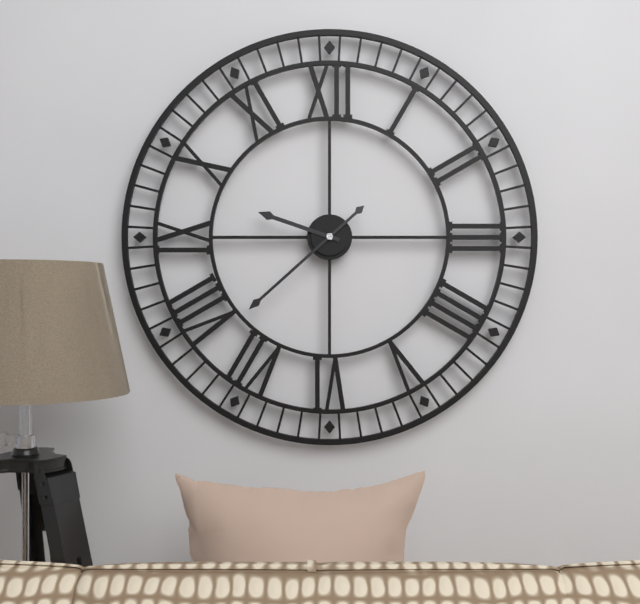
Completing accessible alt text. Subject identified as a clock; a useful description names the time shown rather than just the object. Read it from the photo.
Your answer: 9:38
